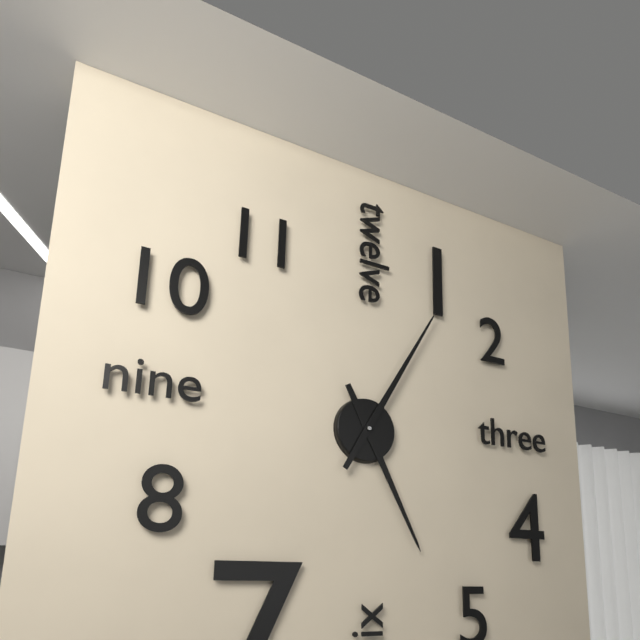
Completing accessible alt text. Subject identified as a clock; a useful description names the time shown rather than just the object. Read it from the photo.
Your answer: 5:05
